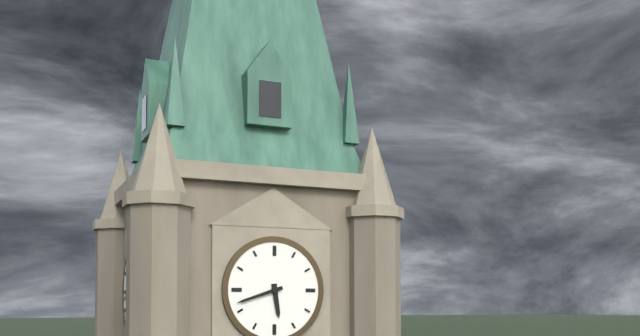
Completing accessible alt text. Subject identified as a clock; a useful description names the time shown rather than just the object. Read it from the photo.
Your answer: 5:42
